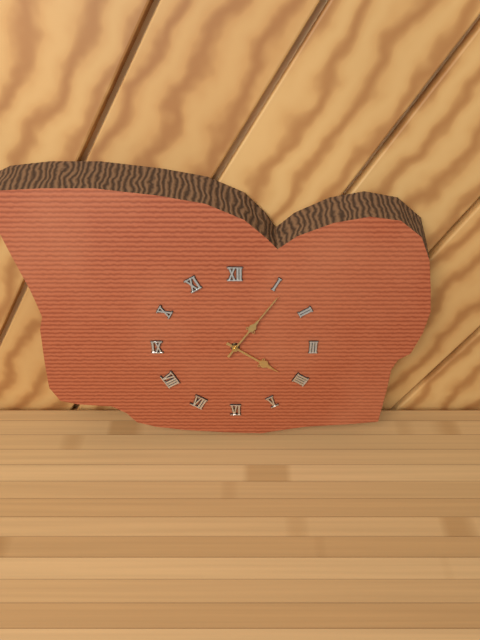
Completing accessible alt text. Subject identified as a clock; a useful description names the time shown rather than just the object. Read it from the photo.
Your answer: 4:06
